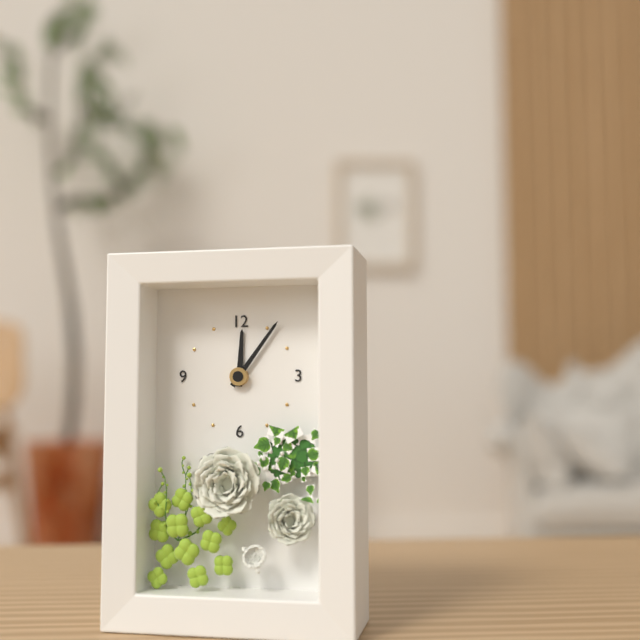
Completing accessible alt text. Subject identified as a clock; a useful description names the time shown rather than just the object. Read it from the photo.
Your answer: 12:06
